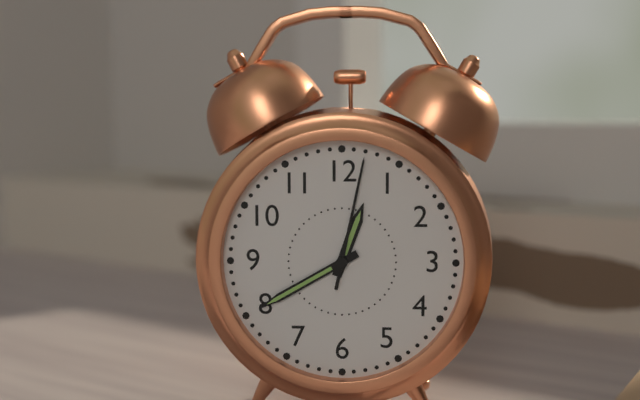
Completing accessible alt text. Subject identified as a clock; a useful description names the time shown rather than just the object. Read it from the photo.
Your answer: 12:40:02
